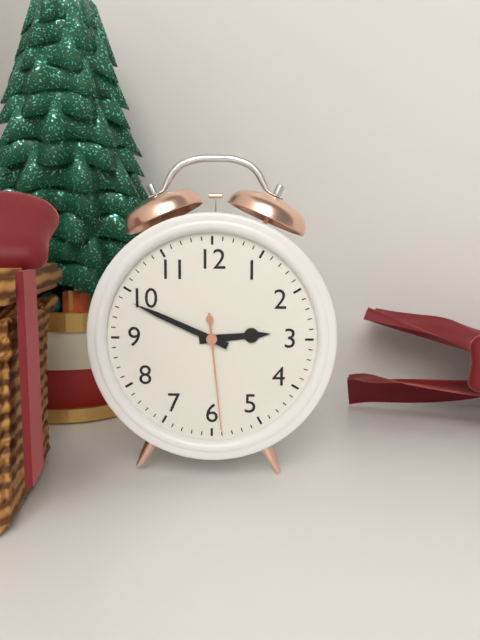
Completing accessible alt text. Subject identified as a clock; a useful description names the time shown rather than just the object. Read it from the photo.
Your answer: 2:49:29
